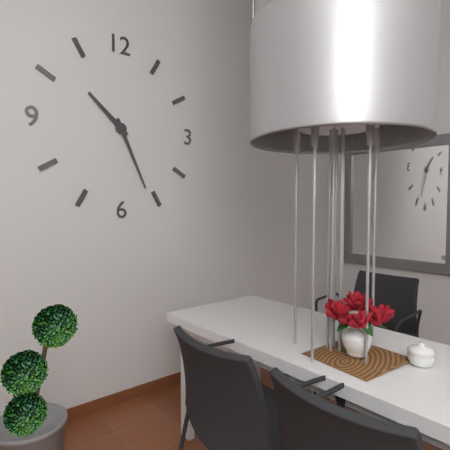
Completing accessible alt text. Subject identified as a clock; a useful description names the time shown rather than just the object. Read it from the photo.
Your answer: 10:26
